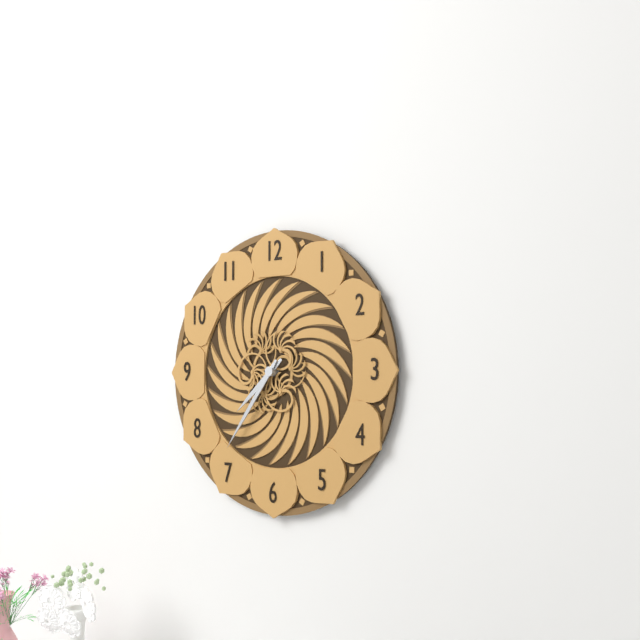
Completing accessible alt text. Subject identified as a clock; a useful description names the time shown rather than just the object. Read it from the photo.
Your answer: 7:36
